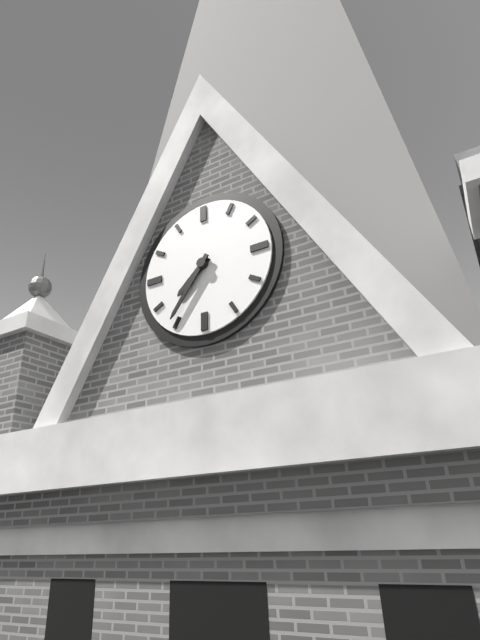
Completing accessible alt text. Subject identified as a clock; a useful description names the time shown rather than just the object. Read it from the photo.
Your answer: 7:36
